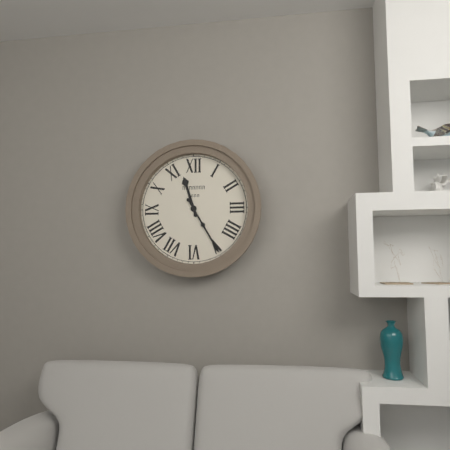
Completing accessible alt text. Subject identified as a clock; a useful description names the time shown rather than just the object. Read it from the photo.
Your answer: 11:25
